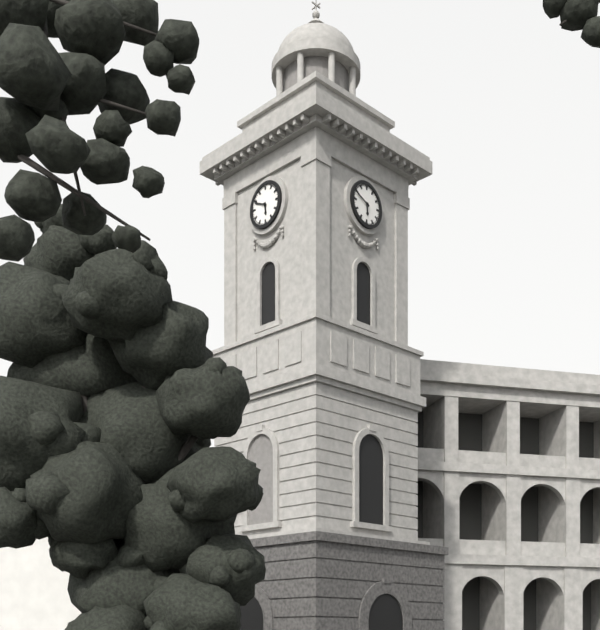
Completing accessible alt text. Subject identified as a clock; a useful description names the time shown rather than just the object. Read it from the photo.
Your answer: 5:49
